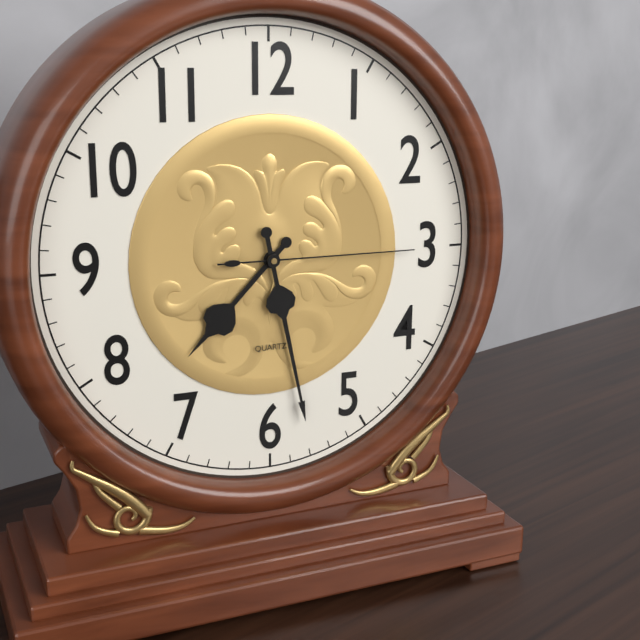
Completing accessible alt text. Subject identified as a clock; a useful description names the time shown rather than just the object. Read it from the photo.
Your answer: 7:28:15
